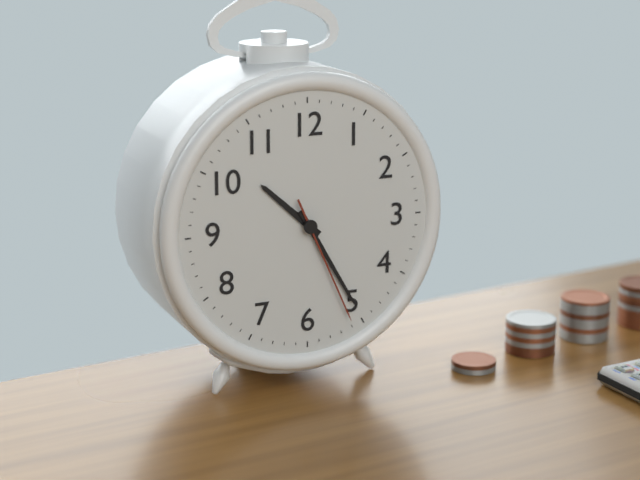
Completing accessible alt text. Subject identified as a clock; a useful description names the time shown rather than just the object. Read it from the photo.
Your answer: 10:25:26
